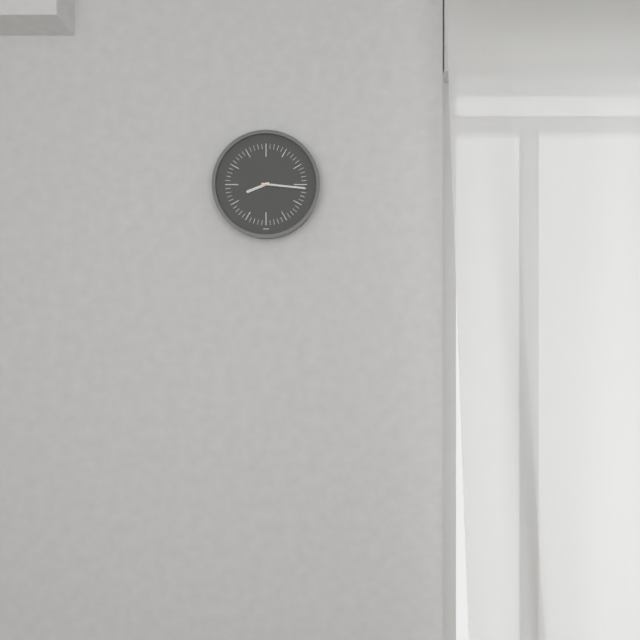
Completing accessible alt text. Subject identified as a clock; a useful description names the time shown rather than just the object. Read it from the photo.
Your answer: 8:16
